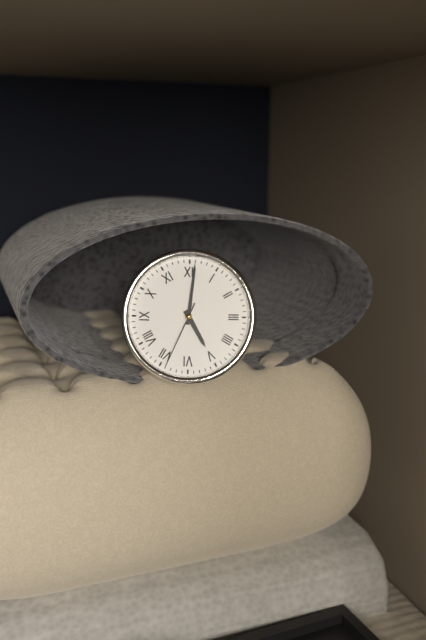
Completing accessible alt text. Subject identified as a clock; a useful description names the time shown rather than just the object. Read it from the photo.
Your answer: 5:01:34
